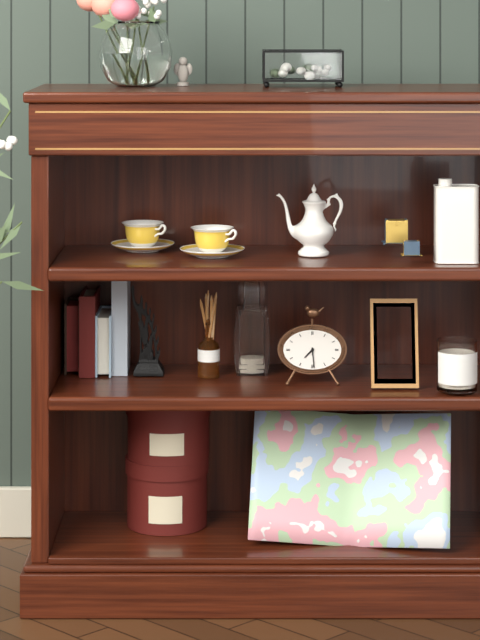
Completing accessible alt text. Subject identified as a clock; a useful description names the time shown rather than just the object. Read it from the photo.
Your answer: 7:29
